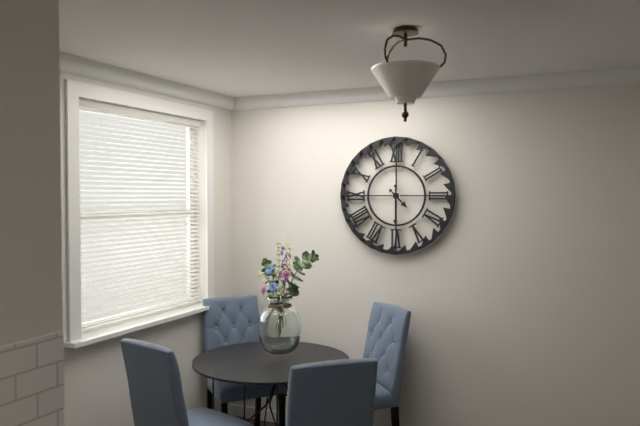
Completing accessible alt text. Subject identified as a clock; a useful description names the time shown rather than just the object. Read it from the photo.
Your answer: 4:30
